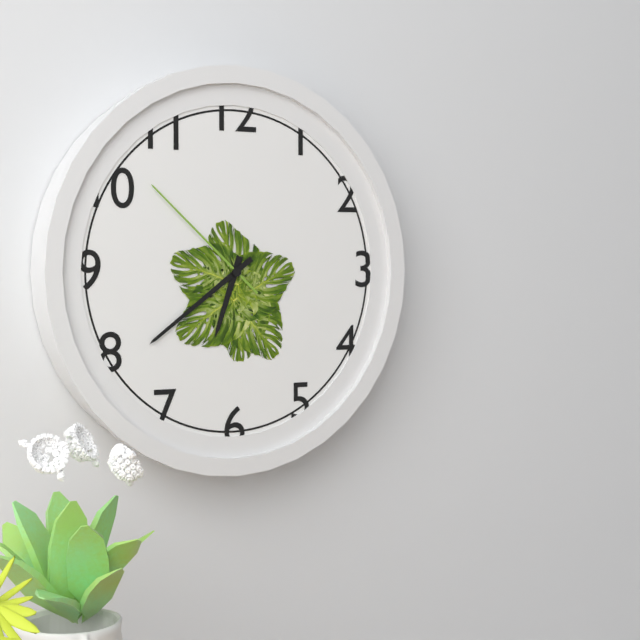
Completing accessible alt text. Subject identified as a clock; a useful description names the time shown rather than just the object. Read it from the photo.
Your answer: 6:39:52
